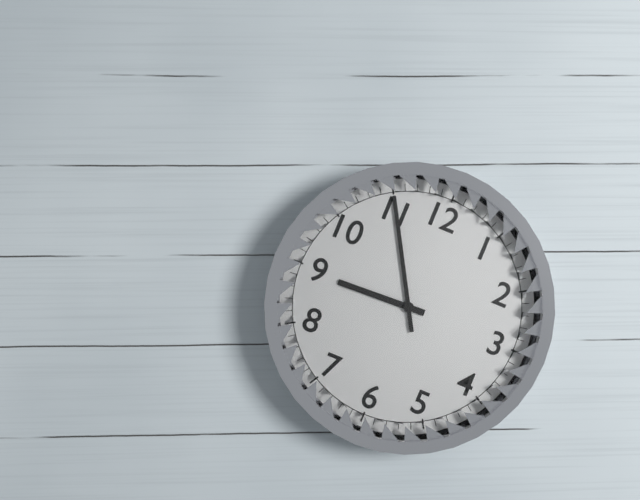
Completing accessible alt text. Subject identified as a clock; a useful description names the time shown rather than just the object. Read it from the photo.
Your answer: 8:55
